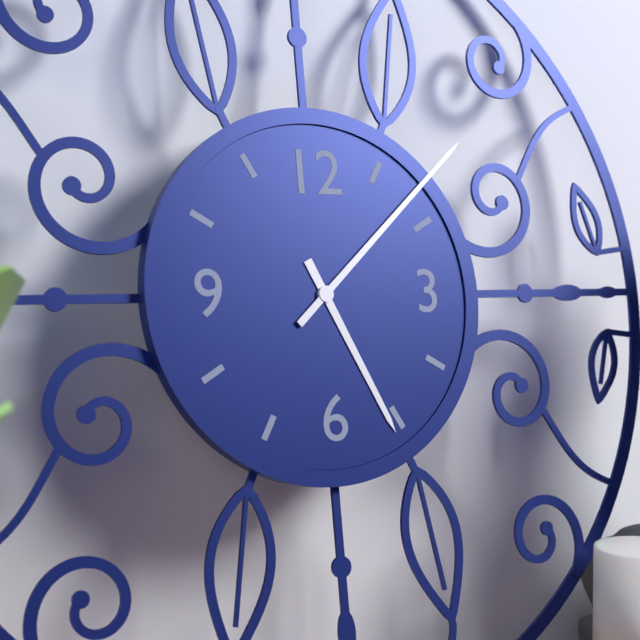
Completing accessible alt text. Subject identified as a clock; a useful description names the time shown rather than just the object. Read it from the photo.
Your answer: 5:08
